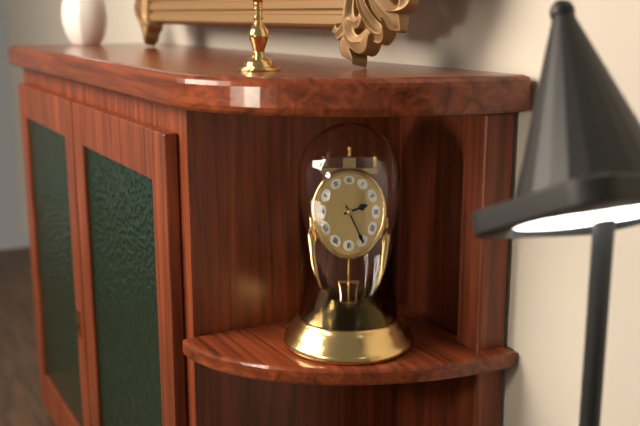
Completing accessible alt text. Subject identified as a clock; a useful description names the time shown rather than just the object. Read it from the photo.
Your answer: 2:25
